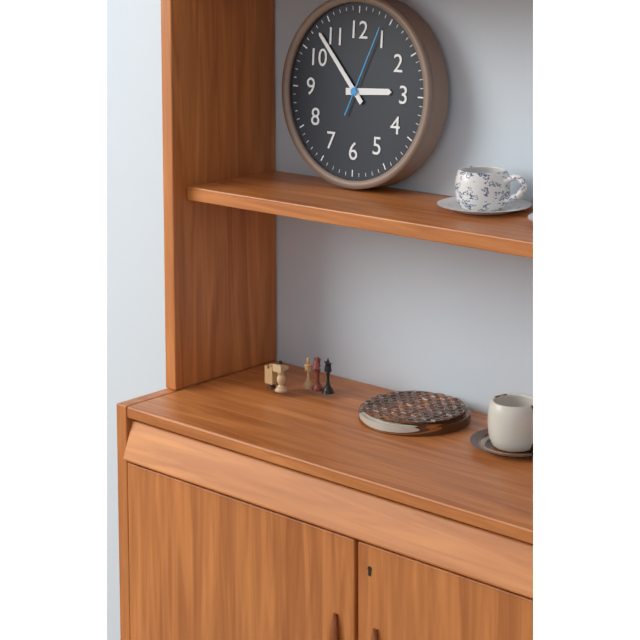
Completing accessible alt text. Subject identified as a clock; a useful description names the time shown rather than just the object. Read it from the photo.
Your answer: 2:53:04
